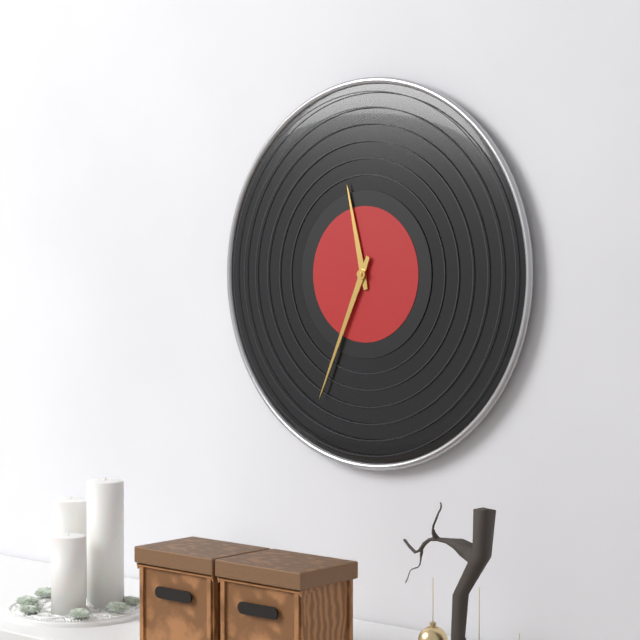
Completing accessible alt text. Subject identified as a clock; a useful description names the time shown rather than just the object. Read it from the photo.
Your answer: 11:34
